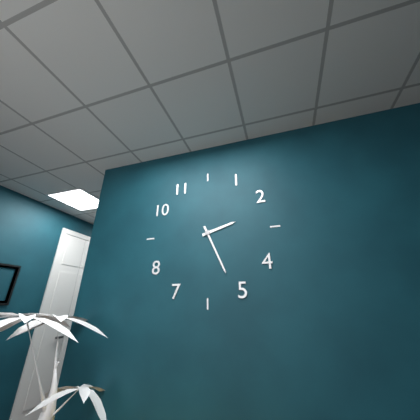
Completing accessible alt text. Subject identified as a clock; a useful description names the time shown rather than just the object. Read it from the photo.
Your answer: 2:26
